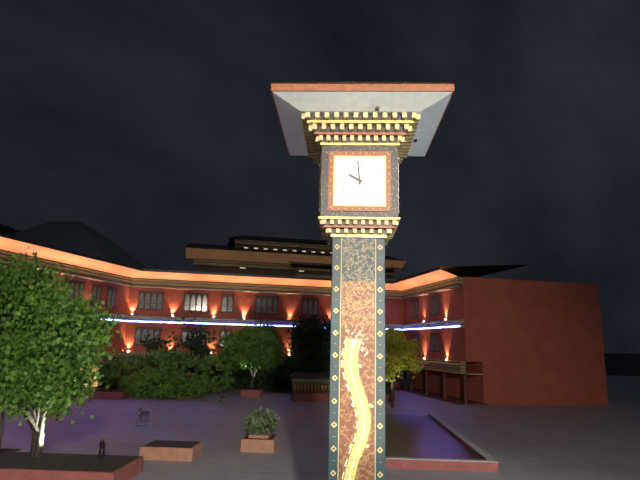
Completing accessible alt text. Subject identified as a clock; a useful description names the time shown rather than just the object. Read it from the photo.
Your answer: 9:59
